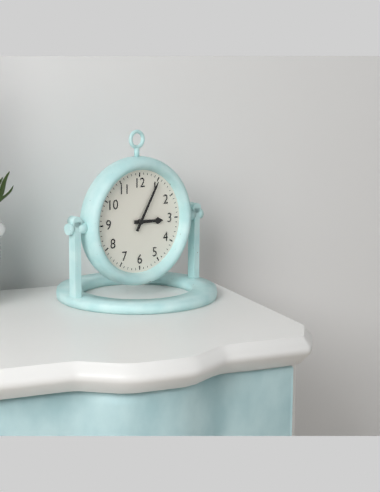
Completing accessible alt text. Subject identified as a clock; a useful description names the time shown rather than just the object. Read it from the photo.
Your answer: 3:05
